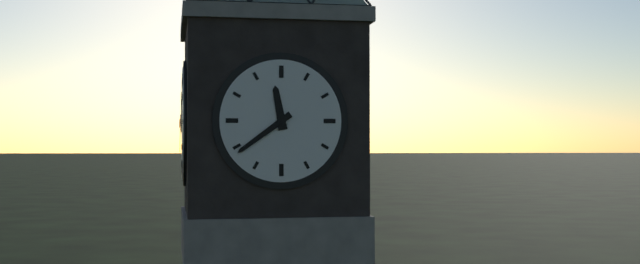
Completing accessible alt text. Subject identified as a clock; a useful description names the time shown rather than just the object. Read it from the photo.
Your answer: 11:39
